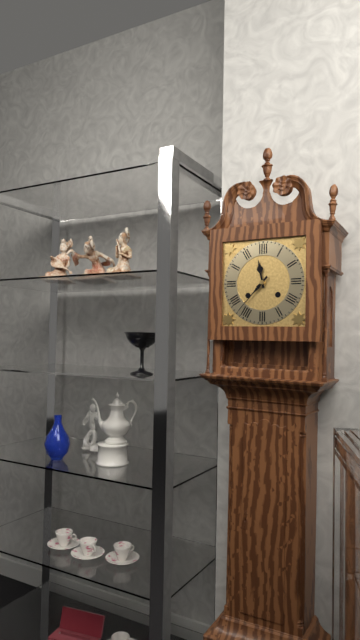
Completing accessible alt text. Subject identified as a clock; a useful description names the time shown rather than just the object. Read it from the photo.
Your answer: 11:37
